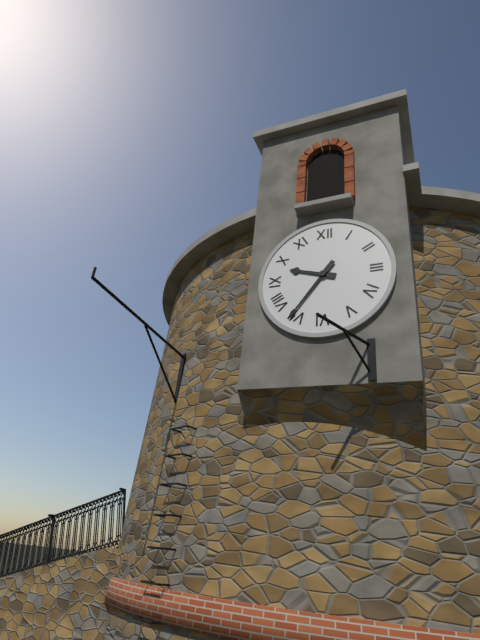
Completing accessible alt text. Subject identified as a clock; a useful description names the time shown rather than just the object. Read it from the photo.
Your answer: 9:36
